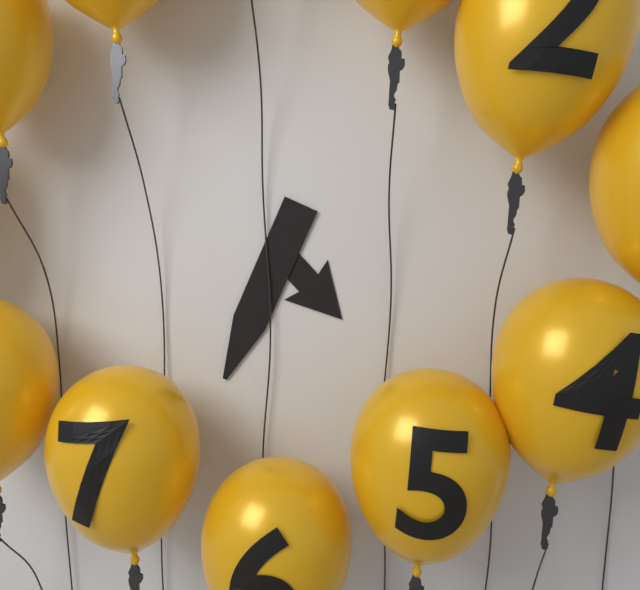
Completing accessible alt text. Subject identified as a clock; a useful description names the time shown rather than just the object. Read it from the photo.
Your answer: 4:34
